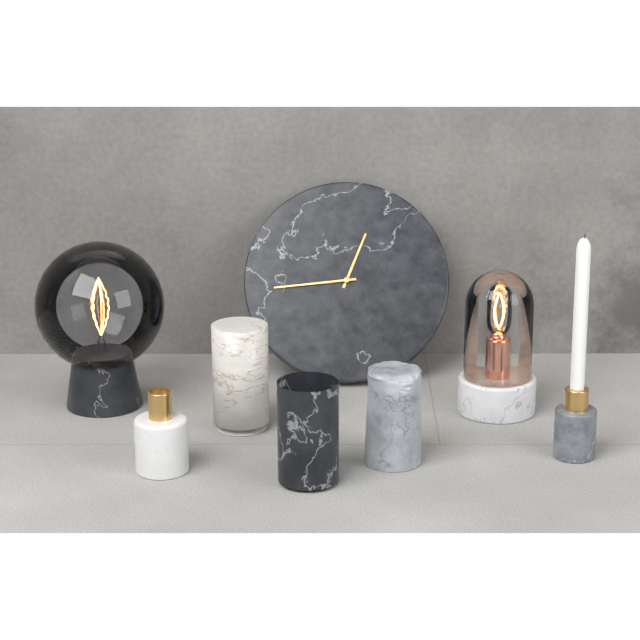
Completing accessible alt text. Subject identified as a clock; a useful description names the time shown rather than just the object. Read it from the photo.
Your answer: 12:44
